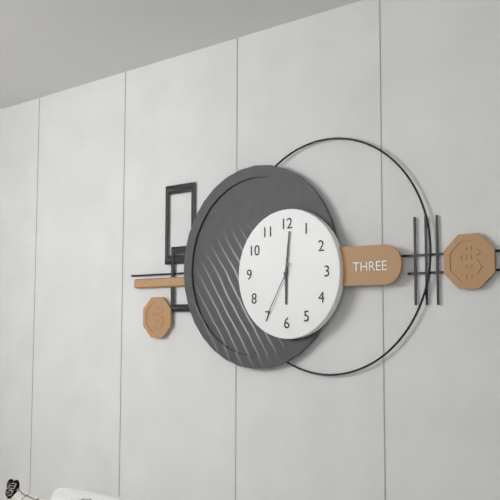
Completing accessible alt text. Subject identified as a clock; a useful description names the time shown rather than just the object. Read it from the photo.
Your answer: 6:01:35
